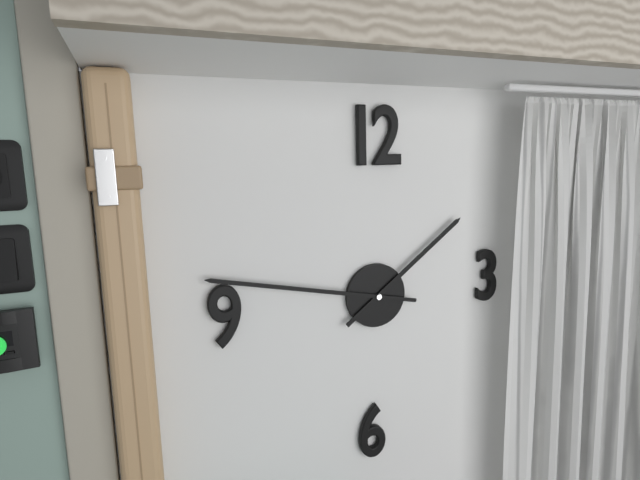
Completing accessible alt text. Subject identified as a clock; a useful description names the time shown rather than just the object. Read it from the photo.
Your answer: 1:47
